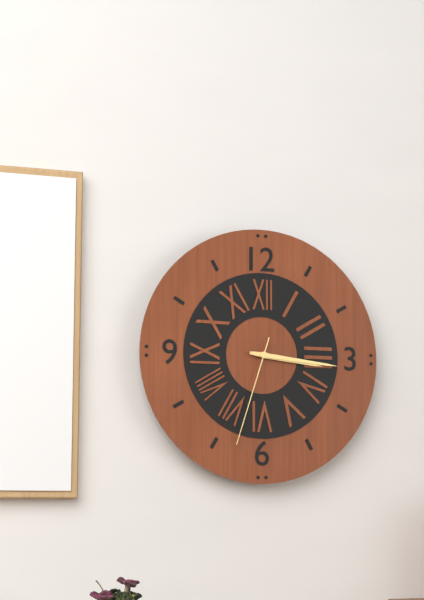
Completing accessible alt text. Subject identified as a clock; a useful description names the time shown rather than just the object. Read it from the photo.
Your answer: 3:16:33
